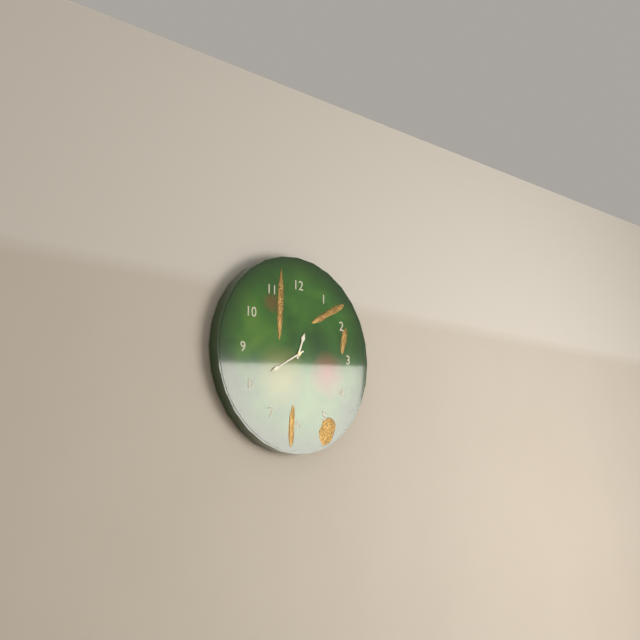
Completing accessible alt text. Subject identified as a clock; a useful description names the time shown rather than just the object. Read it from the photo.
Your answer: 12:40
